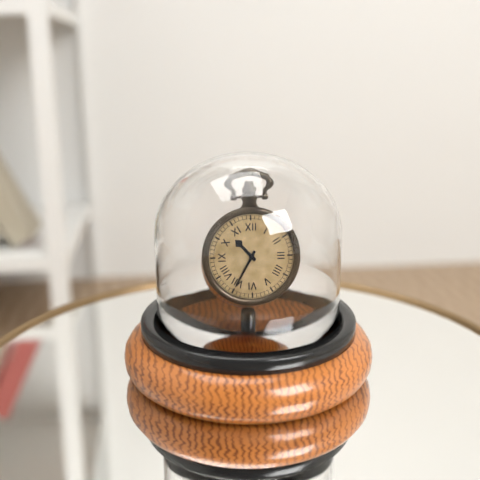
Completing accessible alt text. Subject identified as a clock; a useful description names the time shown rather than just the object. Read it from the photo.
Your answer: 10:35
